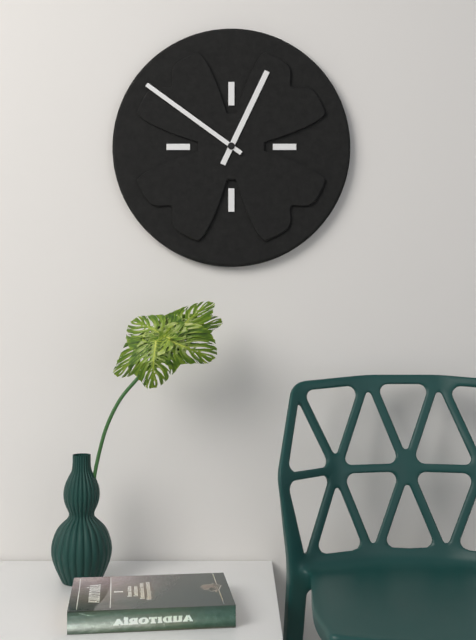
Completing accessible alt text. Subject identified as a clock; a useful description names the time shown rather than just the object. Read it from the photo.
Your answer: 12:51
